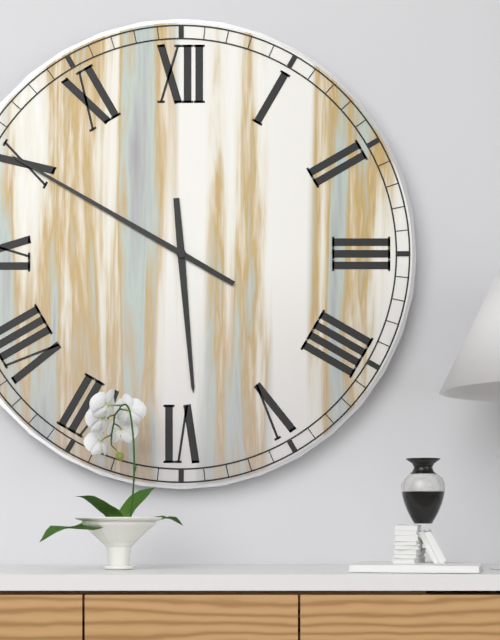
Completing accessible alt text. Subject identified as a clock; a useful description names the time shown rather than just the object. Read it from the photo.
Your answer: 5:50
